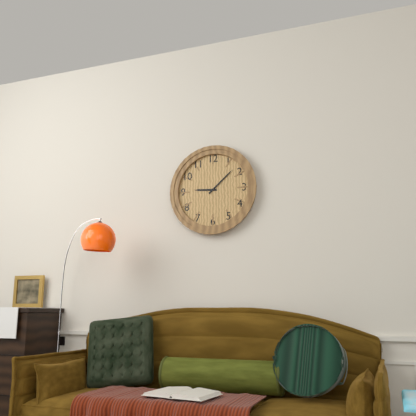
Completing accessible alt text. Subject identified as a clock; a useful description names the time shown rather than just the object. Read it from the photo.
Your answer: 9:08
